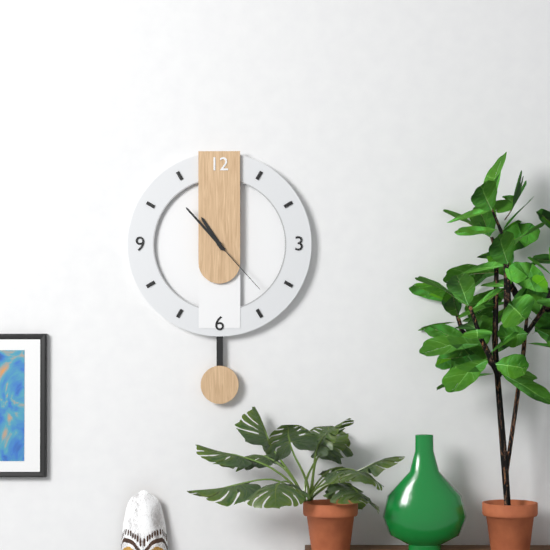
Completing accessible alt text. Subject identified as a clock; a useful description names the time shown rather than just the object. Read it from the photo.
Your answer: 10:53:23
